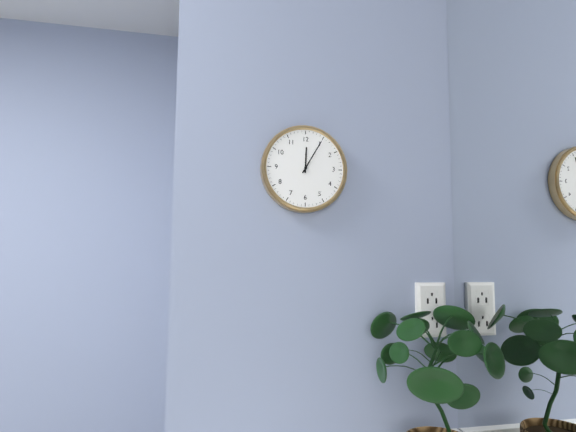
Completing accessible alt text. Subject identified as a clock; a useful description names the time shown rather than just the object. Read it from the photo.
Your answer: 12:05
